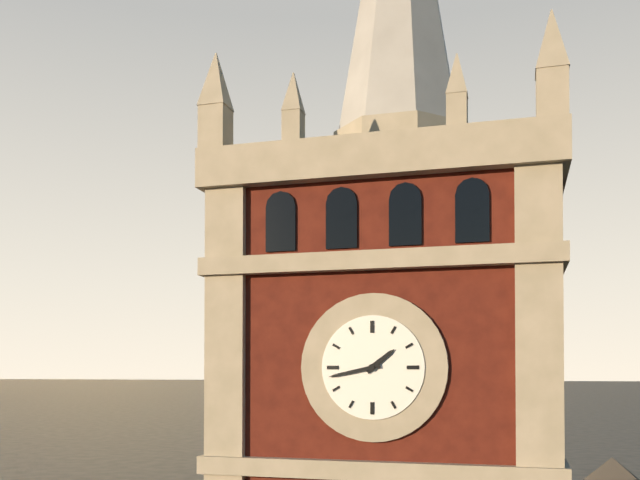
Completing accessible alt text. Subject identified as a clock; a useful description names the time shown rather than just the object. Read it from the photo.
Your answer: 1:43
